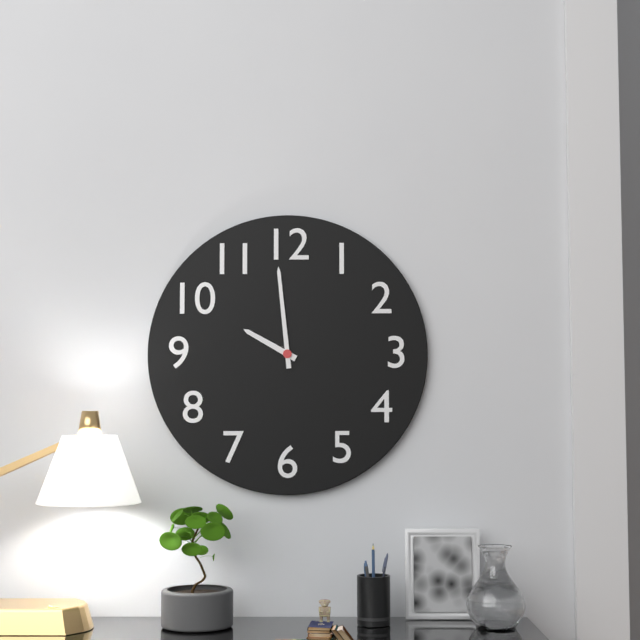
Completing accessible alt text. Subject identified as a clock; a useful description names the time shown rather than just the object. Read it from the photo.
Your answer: 9:59
